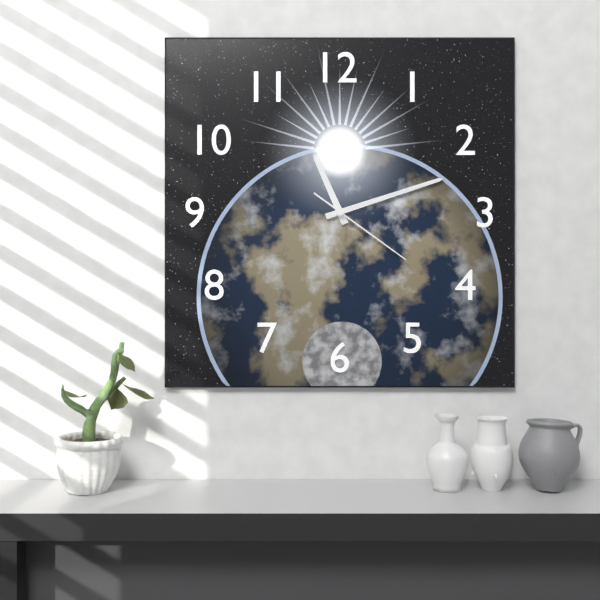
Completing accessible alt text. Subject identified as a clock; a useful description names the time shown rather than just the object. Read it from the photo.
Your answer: 11:12:21
